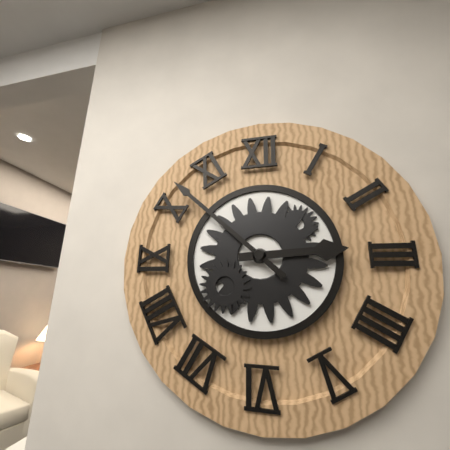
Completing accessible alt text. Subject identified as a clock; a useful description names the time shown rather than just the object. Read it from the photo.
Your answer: 2:52
